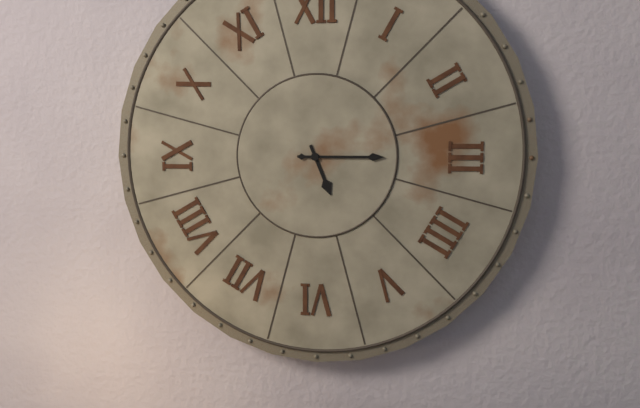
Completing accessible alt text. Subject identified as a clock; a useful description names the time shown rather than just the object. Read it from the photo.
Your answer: 5:15
